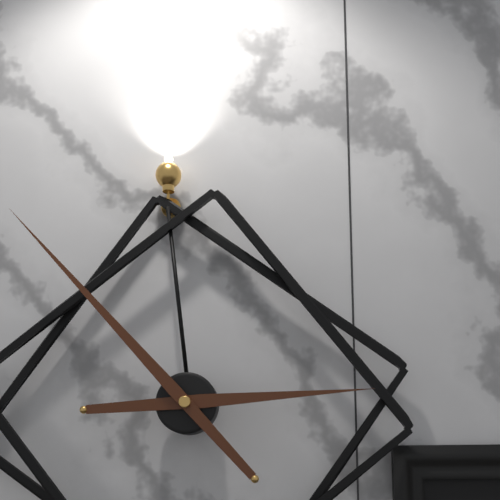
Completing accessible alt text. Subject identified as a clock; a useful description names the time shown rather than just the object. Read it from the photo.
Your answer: 2:53
